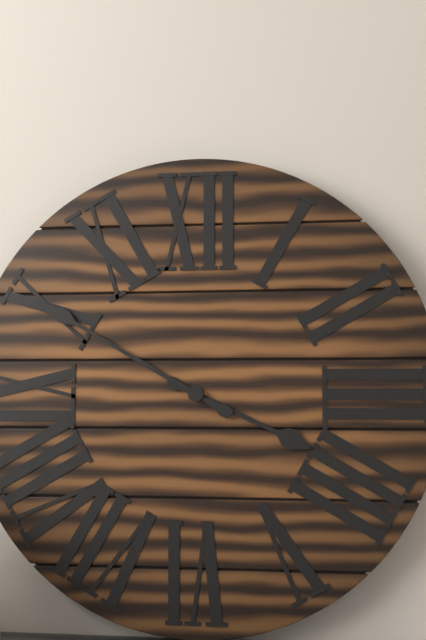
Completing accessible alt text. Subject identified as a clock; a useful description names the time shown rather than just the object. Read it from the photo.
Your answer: 3:50
